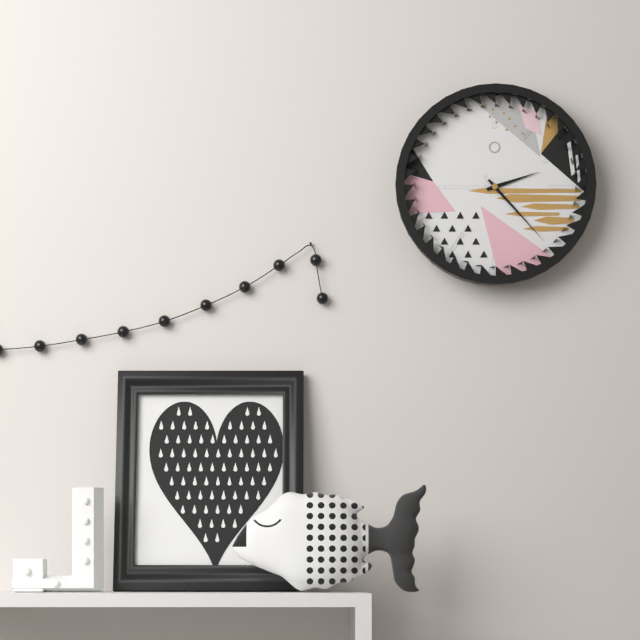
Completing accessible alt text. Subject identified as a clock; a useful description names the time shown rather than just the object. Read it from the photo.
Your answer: 2:23
